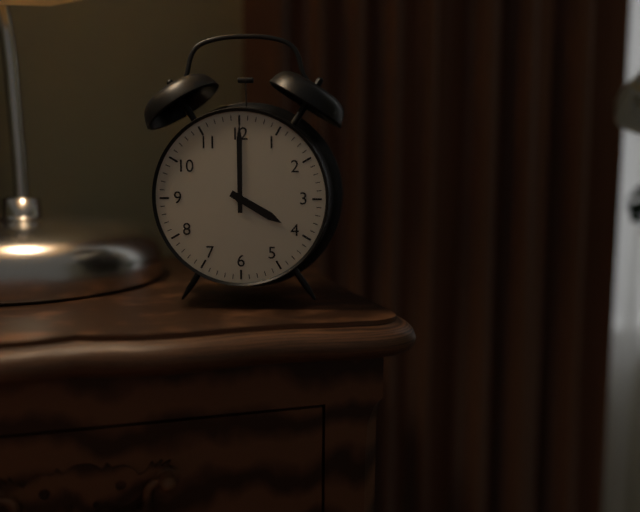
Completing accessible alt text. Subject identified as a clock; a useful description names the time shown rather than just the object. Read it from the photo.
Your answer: 4:00
